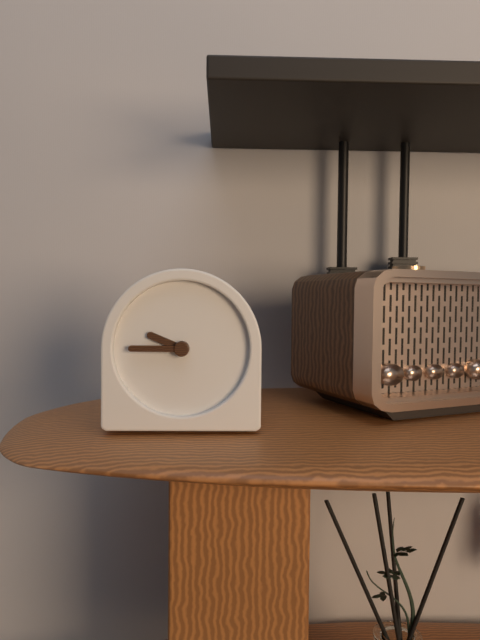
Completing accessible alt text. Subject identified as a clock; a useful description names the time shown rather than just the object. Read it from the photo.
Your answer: 9:45
